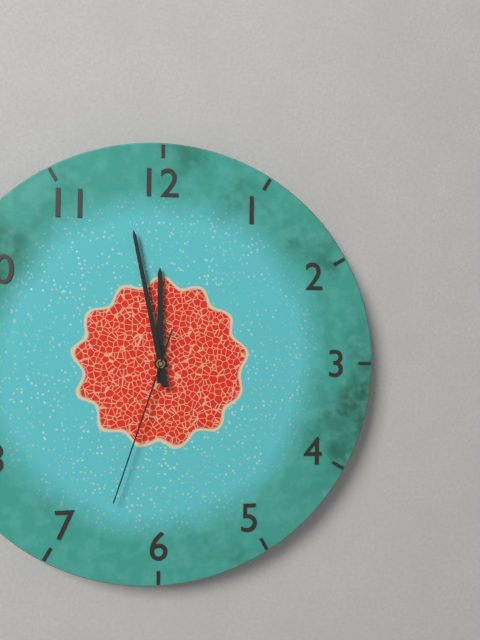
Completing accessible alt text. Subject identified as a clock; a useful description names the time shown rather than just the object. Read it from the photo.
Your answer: 11:58:33
